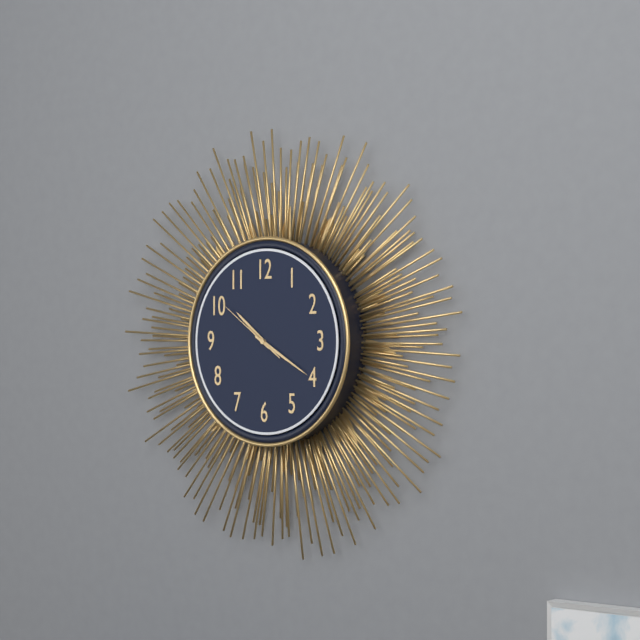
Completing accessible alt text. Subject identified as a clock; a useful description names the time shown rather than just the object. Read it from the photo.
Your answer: 10:20:51
